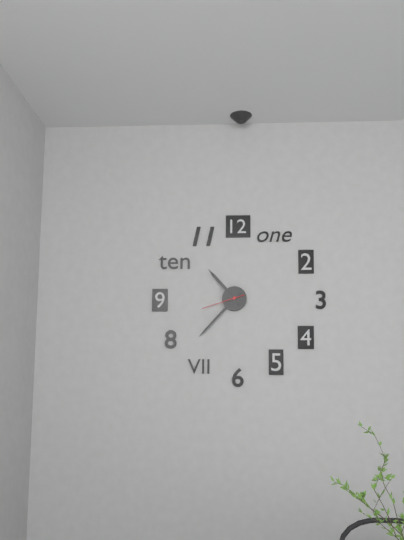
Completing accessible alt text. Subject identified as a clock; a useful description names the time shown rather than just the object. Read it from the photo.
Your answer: 10:37
